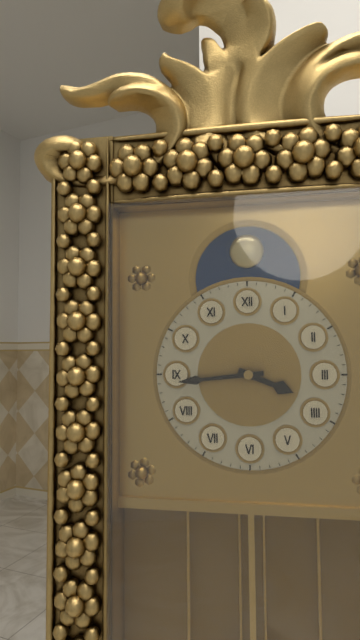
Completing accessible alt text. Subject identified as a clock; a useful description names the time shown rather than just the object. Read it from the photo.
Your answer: 3:44
